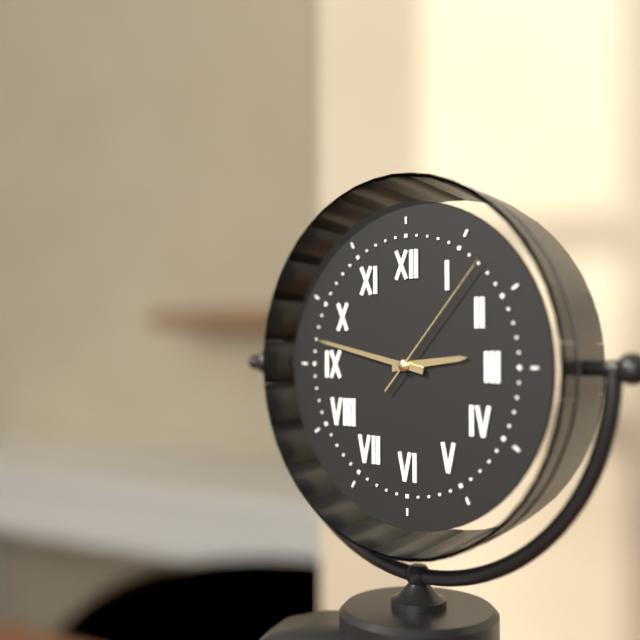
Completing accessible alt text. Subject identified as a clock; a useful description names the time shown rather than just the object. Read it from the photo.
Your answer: 2:47:07
